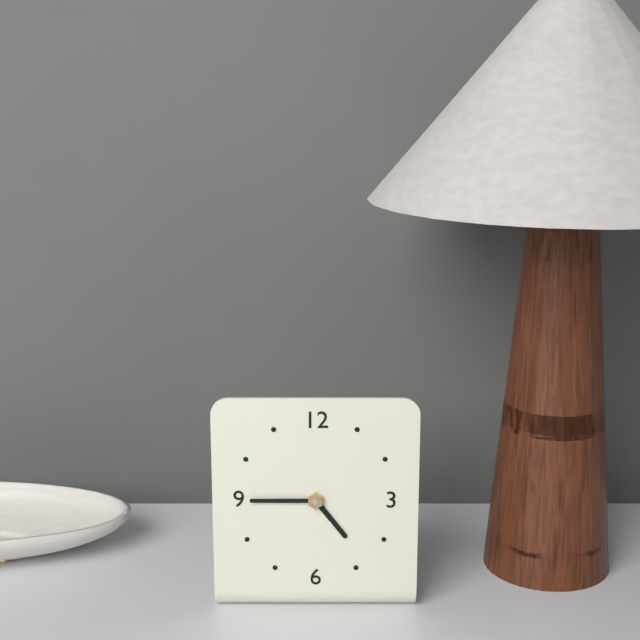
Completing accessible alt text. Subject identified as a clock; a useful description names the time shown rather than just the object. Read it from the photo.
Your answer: 4:45
